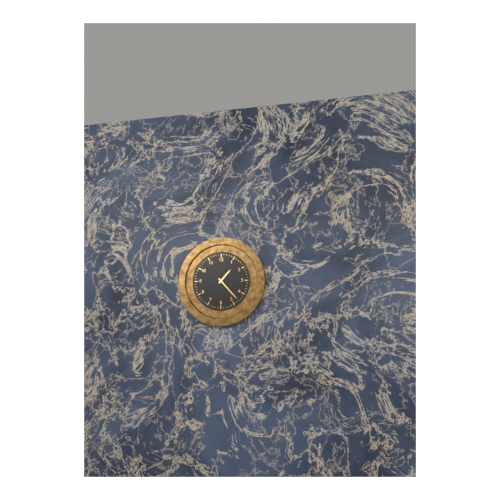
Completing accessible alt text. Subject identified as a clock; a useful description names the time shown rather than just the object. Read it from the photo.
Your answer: 1:23
